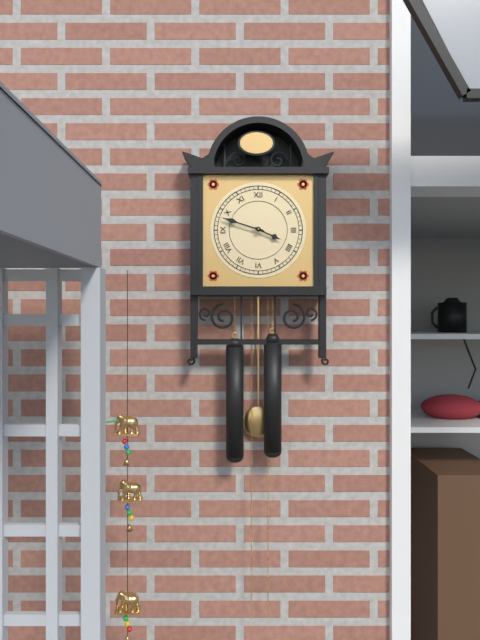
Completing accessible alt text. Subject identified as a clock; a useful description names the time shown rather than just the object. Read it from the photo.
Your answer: 3:48
